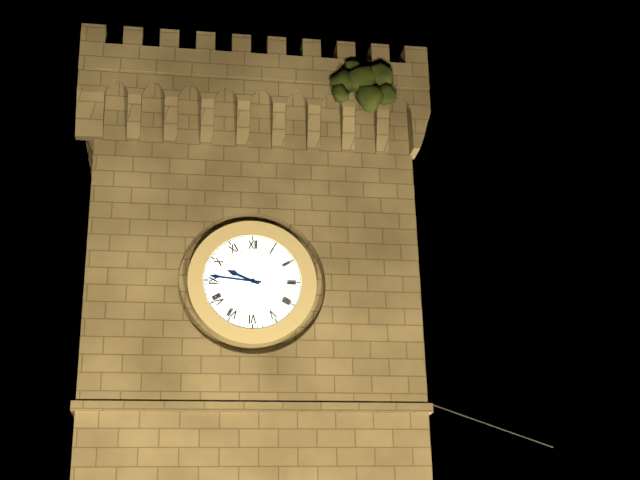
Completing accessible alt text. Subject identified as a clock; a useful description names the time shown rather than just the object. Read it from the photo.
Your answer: 9:46
